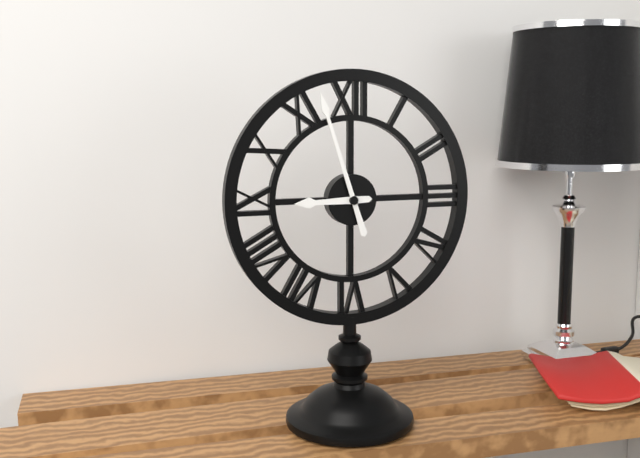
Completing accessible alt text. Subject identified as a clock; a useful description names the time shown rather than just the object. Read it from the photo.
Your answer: 8:57
